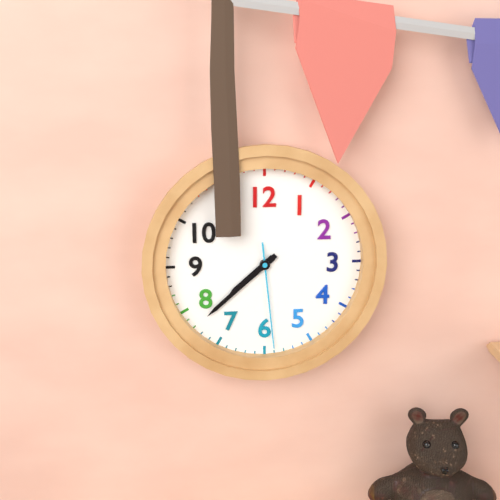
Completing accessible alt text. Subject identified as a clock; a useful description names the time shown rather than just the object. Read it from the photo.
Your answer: 7:38:29
